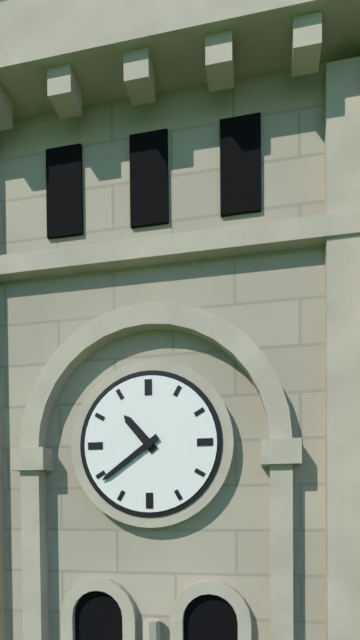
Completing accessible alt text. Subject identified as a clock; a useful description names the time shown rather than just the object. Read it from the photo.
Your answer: 10:39
